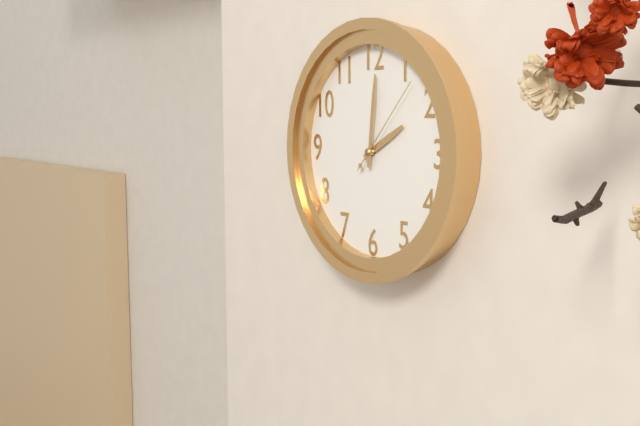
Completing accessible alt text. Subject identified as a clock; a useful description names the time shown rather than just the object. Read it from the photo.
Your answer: 2:01:07
